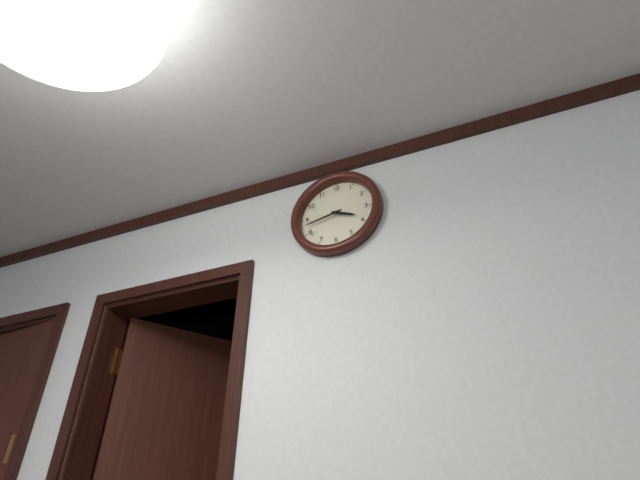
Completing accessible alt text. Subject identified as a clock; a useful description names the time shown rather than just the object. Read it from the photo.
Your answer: 3:43
